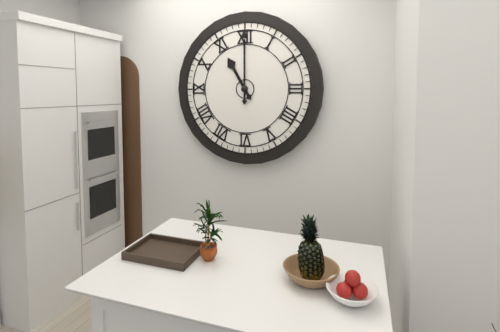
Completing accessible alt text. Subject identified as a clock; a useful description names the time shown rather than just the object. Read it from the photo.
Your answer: 11:00
